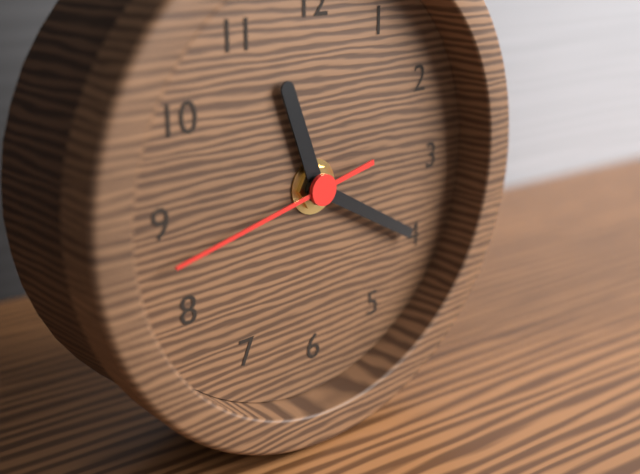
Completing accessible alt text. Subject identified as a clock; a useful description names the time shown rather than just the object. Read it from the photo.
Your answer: 11:20:43
